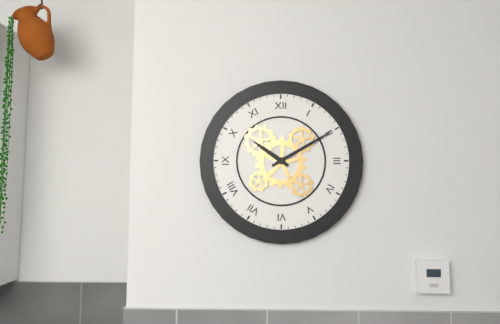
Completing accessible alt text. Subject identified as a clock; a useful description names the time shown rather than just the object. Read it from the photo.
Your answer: 10:10
